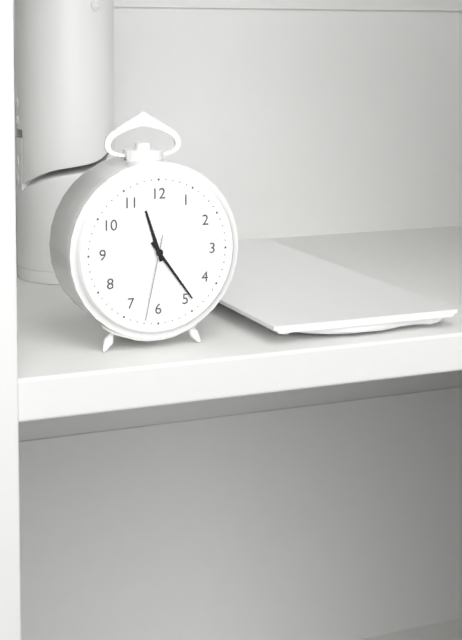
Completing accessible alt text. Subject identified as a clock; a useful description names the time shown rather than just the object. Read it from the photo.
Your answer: 11:24:32
